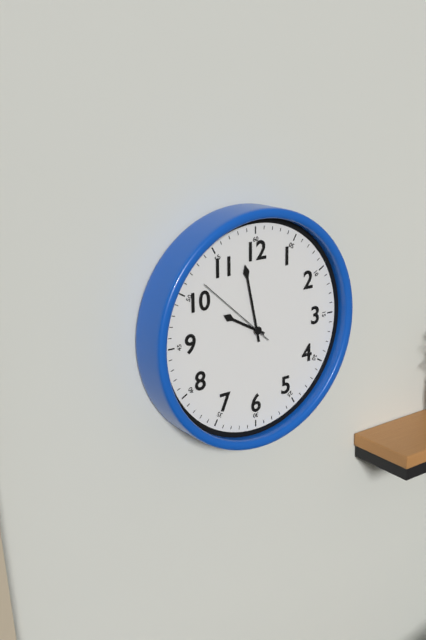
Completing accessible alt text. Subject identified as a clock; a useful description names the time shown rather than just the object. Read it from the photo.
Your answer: 9:58:52
